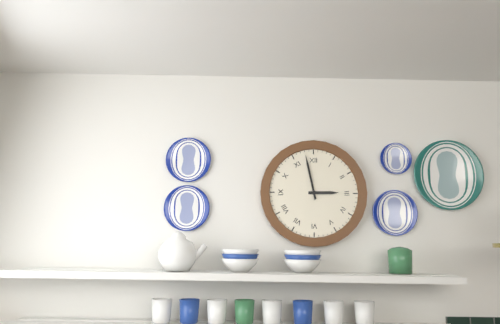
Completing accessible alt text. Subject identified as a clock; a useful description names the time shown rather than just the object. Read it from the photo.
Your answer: 2:58
